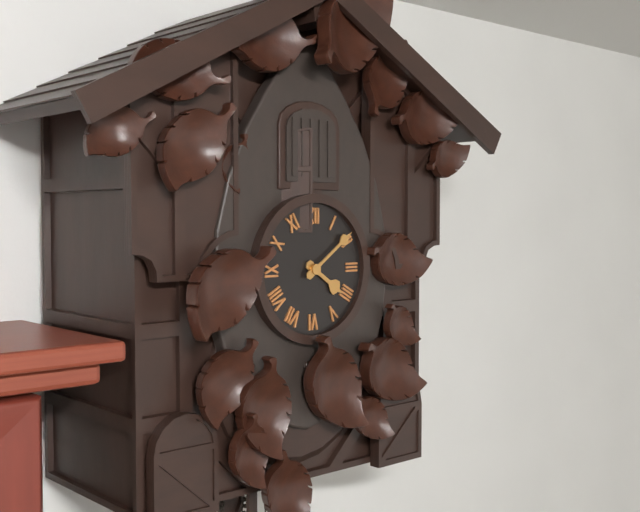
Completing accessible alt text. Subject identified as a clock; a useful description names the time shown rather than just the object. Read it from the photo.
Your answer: 4:09
